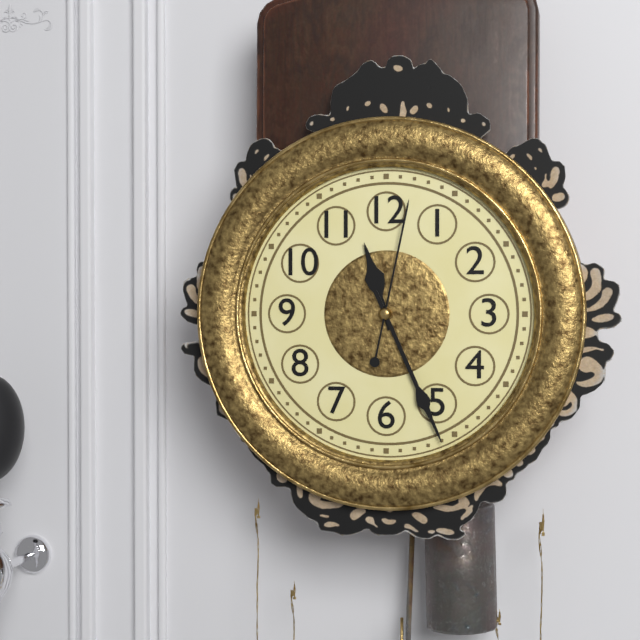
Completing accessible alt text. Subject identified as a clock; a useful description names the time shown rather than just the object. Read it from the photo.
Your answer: 11:26:02
